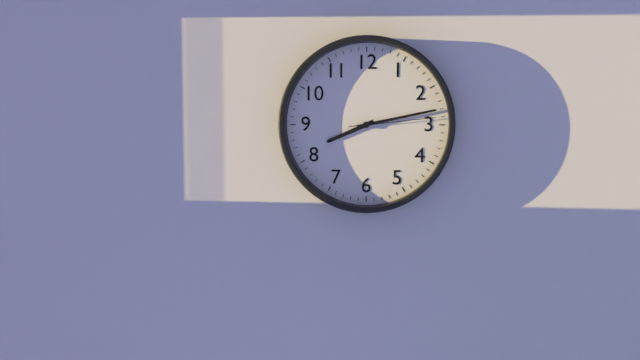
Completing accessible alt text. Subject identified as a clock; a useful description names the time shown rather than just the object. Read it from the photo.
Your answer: 8:13:14
